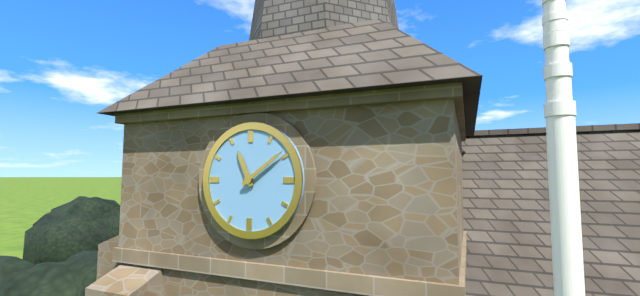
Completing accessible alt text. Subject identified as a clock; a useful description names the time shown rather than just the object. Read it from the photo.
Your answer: 11:09
